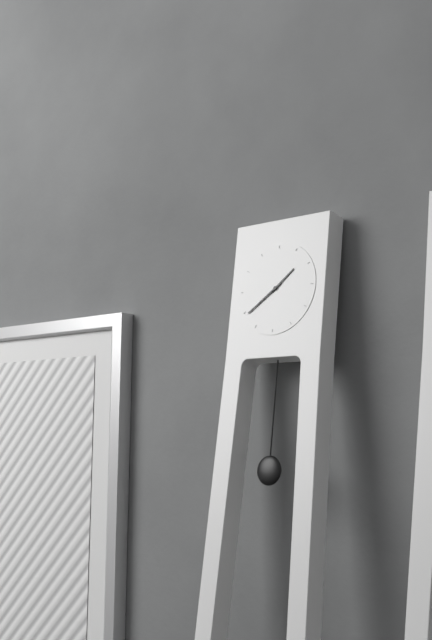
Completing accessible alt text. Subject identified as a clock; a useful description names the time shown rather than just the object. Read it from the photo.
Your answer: 1:39
